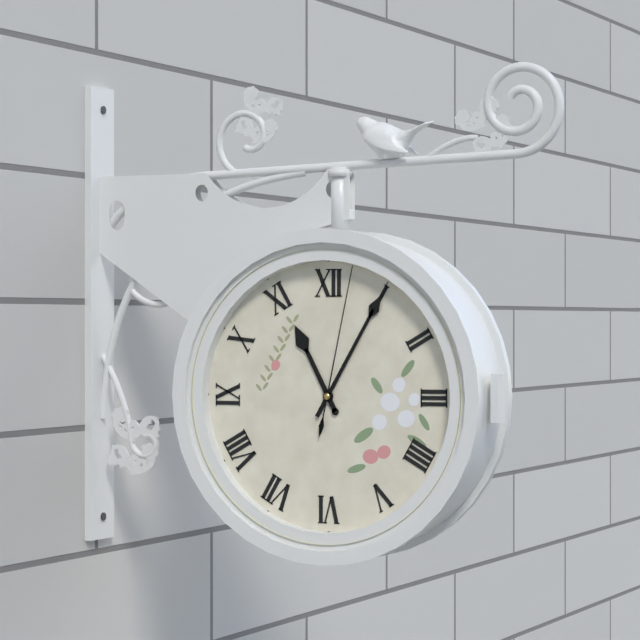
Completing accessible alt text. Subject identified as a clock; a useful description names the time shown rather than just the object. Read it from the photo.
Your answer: 11:05:02
